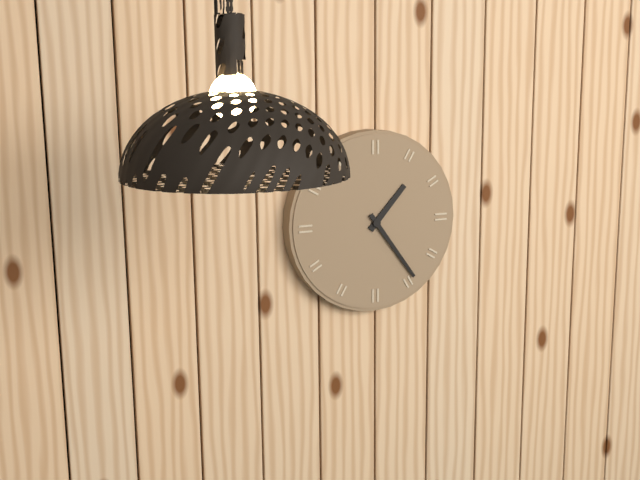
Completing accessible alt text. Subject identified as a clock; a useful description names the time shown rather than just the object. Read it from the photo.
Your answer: 1:24
